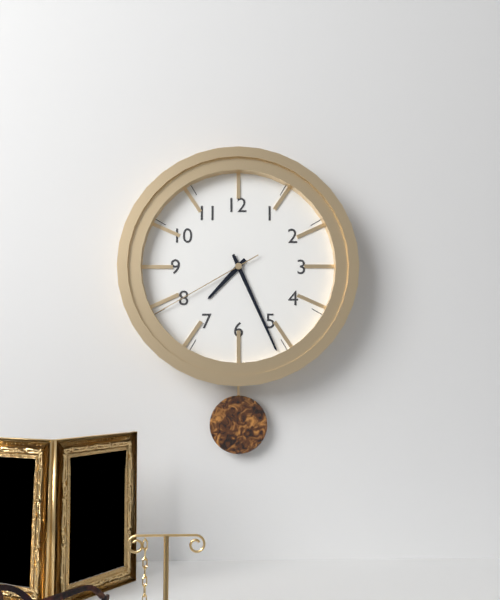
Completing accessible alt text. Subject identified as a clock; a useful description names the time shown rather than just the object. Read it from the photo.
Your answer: 7:26:40
